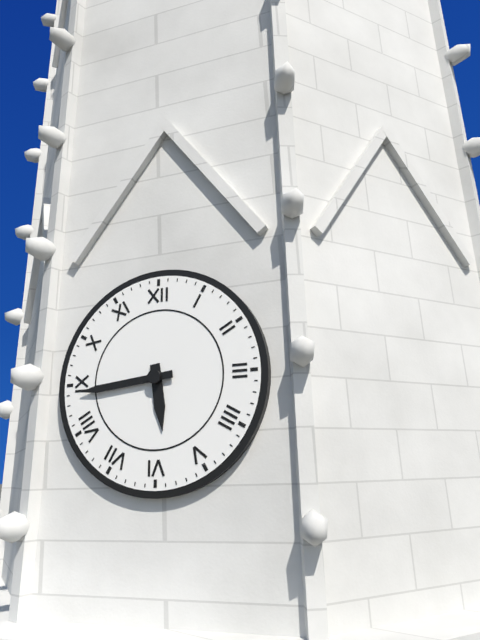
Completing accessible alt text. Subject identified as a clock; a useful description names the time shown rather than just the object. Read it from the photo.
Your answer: 5:44
